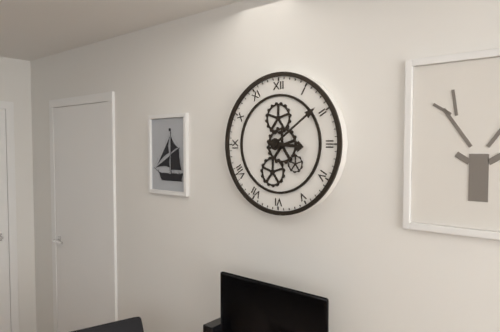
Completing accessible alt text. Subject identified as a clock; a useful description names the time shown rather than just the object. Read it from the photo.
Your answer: 3:09
